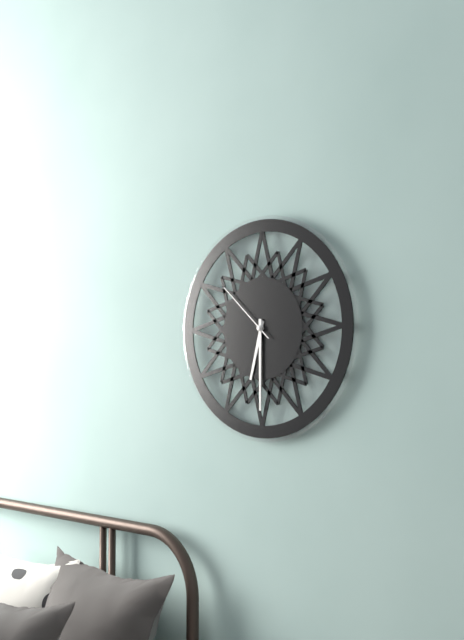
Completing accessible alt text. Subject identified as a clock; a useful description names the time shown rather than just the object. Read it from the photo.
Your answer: 6:30:52
